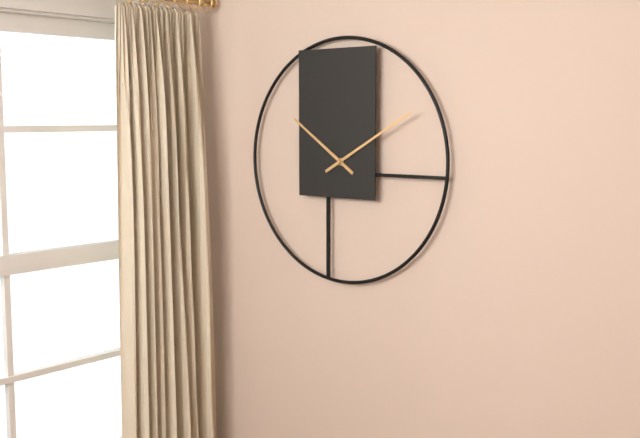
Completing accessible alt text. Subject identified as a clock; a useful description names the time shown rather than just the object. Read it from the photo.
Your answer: 10:10
